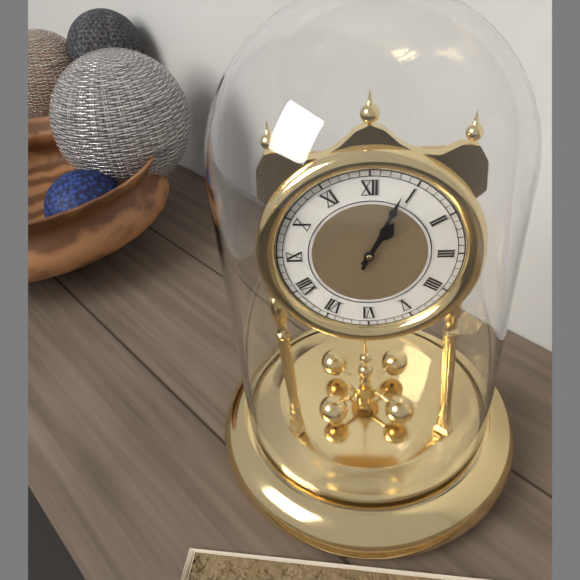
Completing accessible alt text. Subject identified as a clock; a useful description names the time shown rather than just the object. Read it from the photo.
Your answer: 1:04
